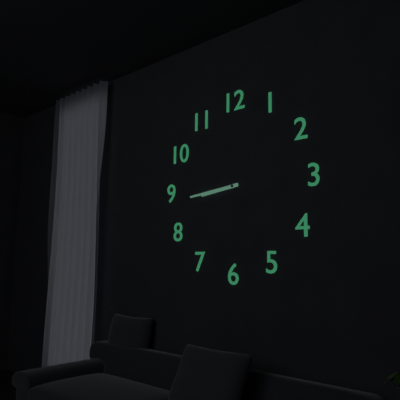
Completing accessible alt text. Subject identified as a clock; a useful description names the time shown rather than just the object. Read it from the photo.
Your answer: 8:44
